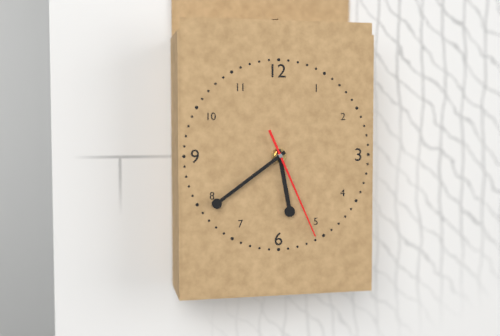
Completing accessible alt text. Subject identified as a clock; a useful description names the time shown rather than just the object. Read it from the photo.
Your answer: 5:39:26
